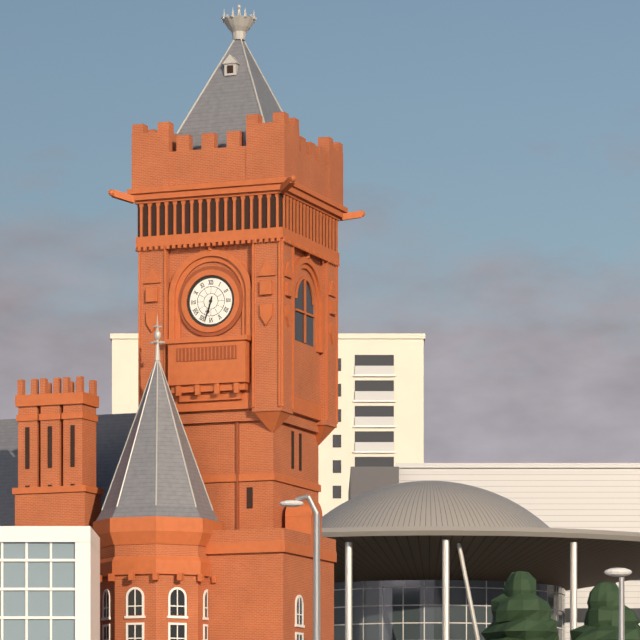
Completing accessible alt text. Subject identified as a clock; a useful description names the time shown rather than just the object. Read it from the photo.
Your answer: 6:33
